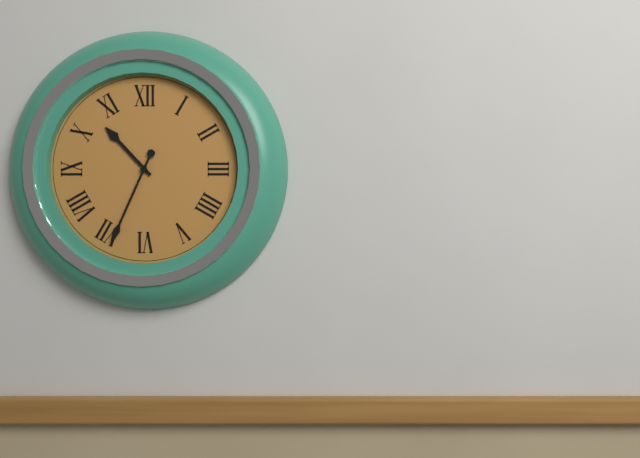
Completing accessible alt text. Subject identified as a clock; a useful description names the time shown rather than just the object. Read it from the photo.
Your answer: 10:34
